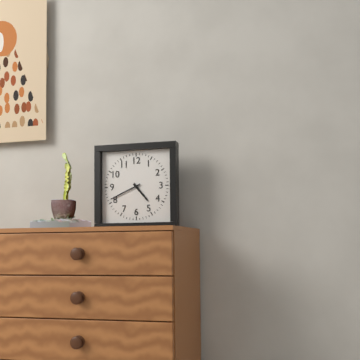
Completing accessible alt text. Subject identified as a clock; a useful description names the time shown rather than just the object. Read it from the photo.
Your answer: 4:41
